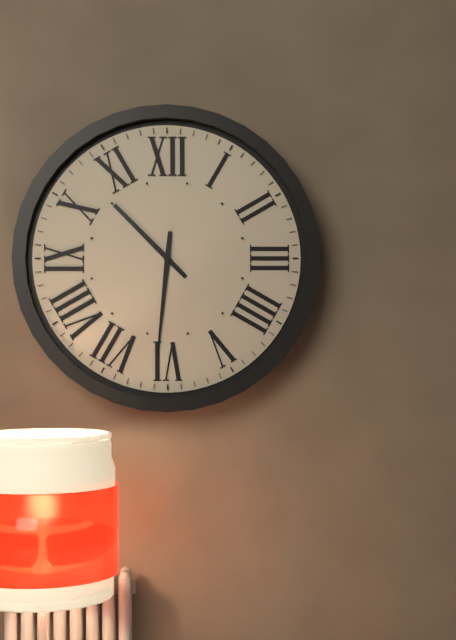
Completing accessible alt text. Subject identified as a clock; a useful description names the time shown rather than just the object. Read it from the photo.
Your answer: 10:31
